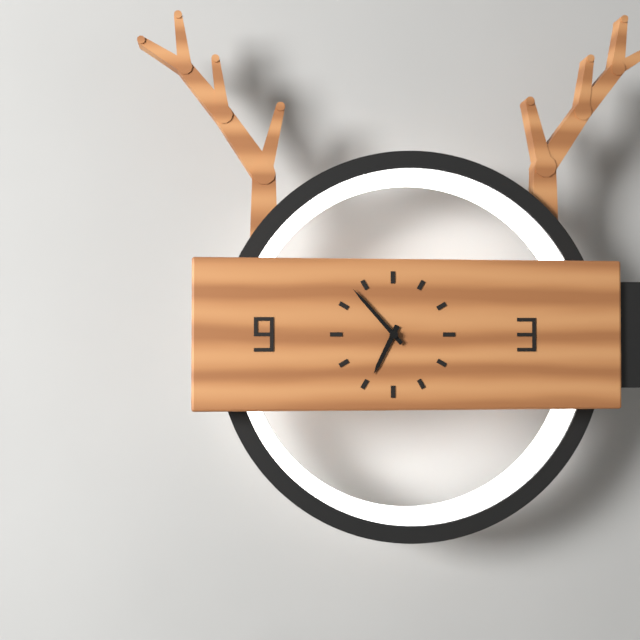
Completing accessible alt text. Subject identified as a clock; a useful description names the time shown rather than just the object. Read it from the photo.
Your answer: 6:53
